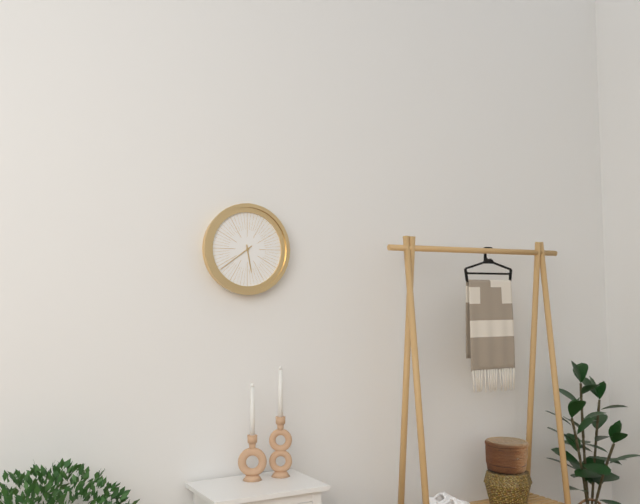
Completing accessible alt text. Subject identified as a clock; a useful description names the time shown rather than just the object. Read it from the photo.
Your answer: 5:39
